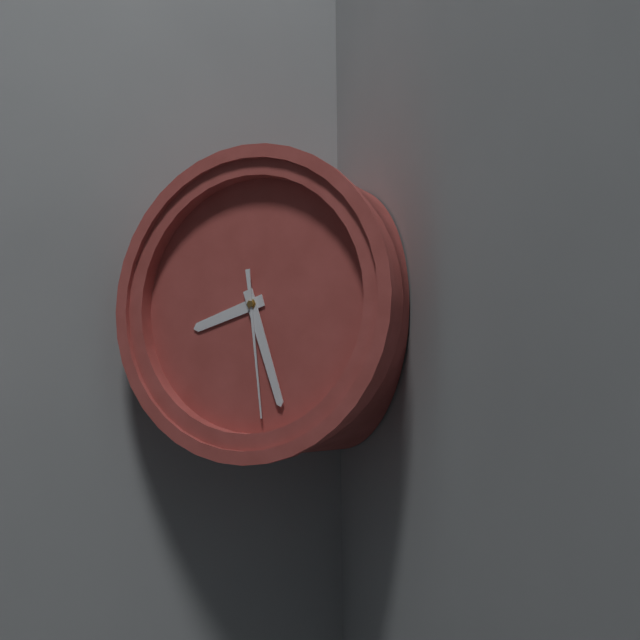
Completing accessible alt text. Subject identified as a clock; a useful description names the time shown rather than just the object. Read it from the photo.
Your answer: 8:27:29
